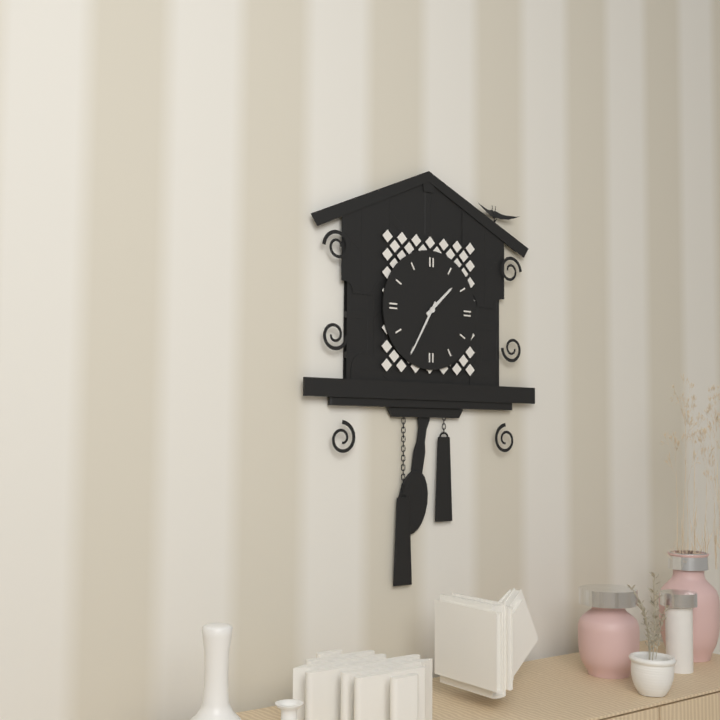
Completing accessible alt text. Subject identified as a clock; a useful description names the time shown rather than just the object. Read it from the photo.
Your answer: 1:35
